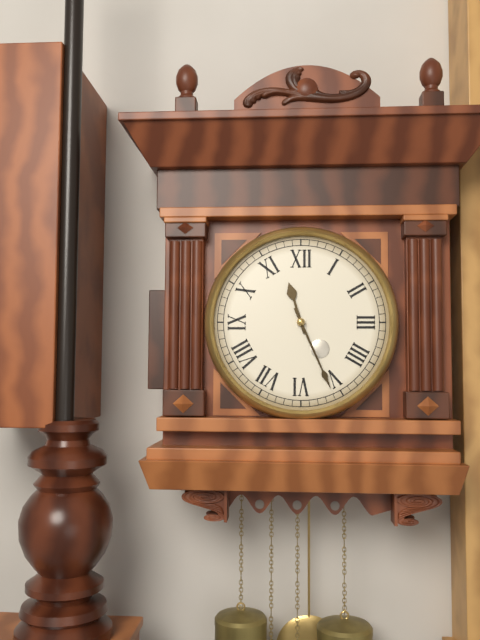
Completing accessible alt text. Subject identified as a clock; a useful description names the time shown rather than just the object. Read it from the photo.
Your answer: 11:26
